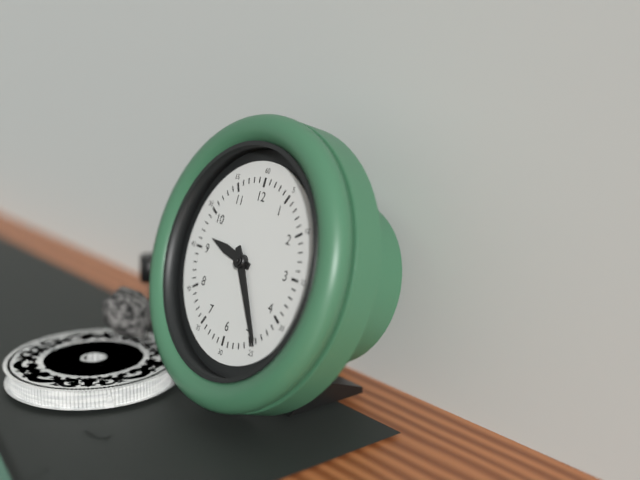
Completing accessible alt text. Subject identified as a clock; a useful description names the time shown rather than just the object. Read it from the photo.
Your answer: 9:24
